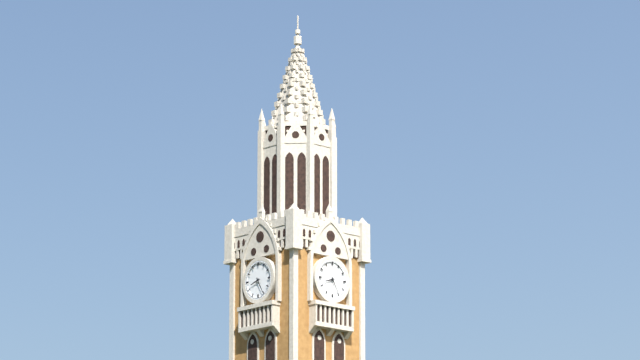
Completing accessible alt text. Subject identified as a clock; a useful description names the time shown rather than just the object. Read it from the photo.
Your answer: 8:25
